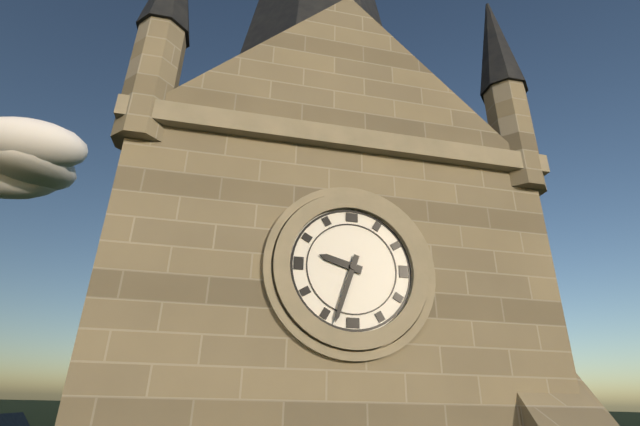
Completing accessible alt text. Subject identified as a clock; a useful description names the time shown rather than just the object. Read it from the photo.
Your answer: 9:33
